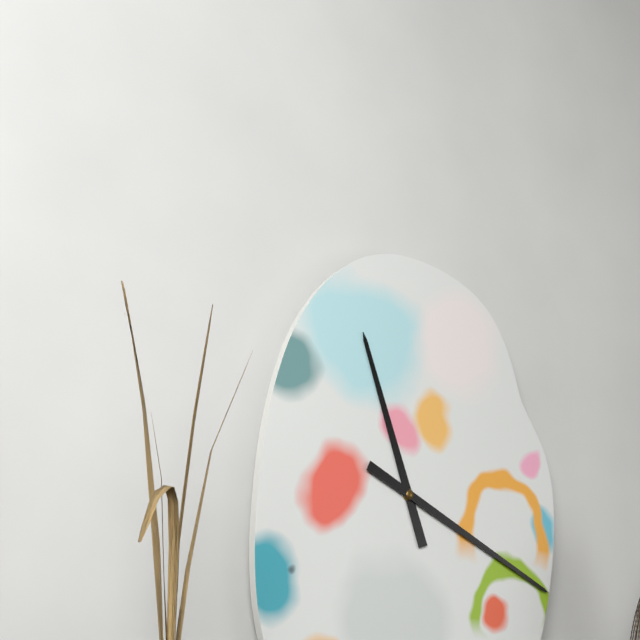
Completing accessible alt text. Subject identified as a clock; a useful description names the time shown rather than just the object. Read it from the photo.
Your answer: 11:19
